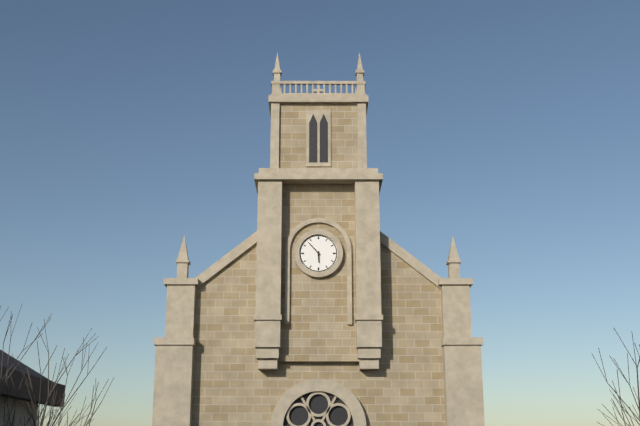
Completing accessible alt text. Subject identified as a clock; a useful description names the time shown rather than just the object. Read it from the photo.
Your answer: 5:53
